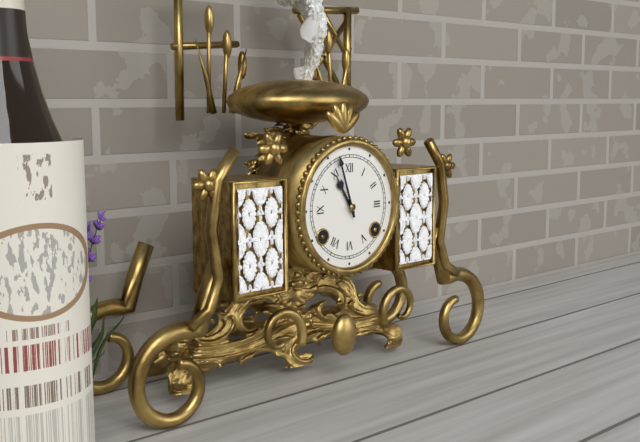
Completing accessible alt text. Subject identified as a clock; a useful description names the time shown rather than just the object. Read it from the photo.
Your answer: 10:57
